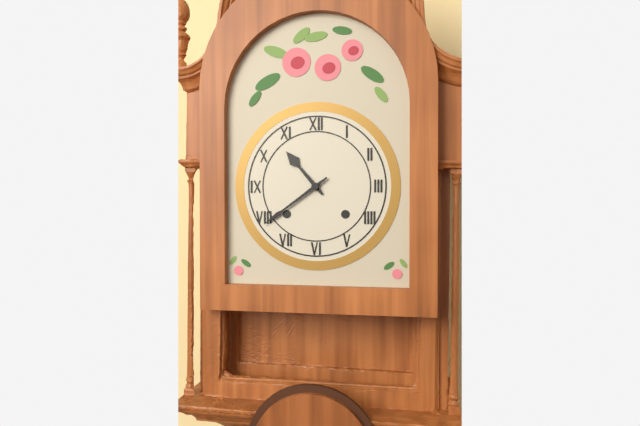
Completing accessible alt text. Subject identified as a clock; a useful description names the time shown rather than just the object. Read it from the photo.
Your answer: 10:39
